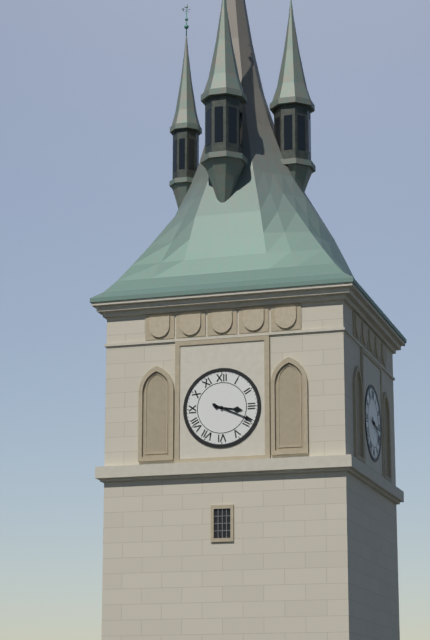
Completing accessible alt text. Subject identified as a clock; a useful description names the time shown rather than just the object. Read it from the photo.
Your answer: 3:19
